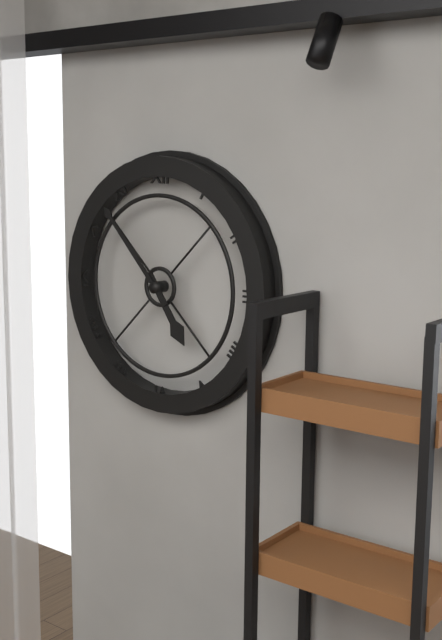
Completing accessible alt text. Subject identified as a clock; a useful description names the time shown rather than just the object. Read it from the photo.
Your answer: 4:53
